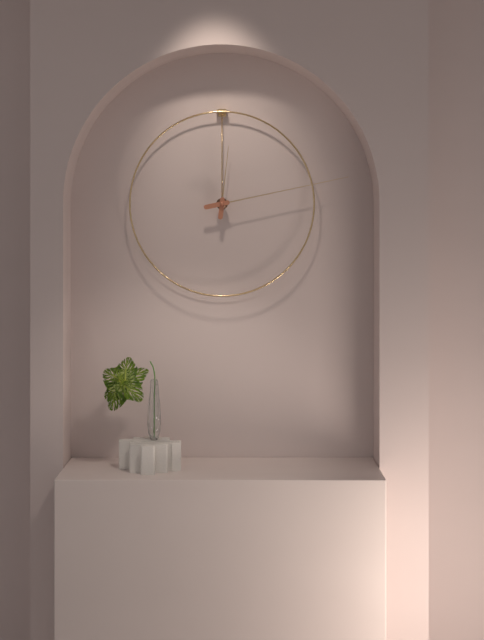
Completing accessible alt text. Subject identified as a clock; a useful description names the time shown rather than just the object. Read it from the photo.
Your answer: 12:13
